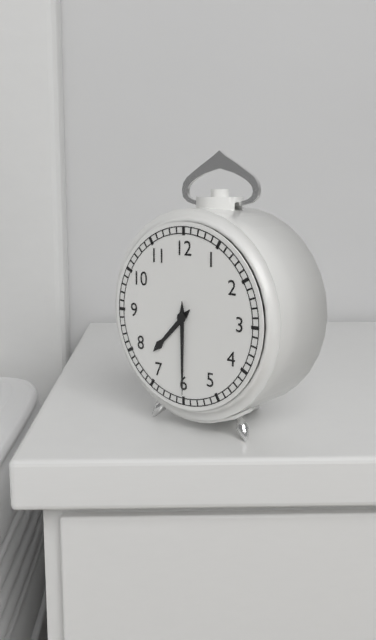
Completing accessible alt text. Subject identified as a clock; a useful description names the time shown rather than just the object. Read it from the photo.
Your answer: 7:30
